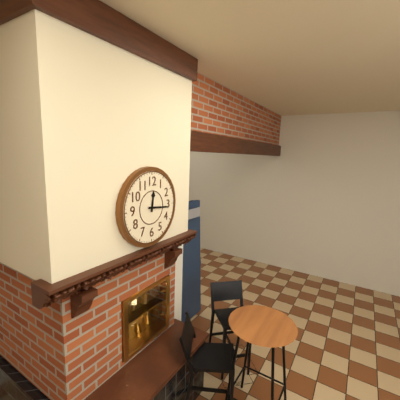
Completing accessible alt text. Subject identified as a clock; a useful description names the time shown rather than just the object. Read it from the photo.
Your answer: 12:16
